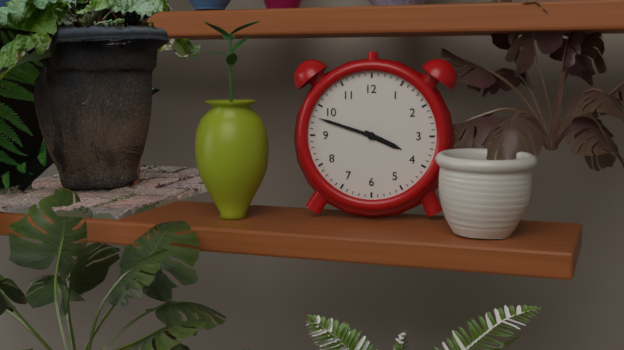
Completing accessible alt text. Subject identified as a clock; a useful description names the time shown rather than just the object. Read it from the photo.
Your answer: 3:48
